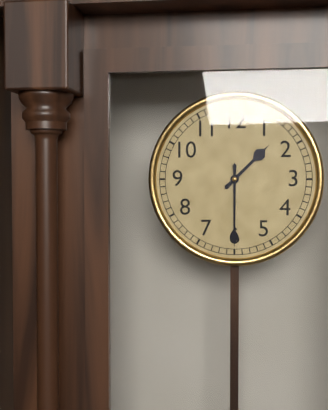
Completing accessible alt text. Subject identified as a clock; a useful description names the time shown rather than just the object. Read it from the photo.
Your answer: 1:30
